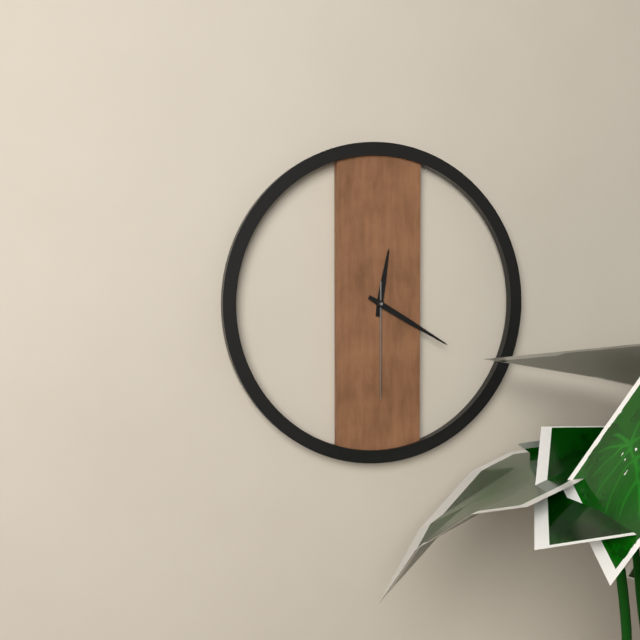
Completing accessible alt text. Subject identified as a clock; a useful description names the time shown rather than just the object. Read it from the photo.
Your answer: 12:20:30
